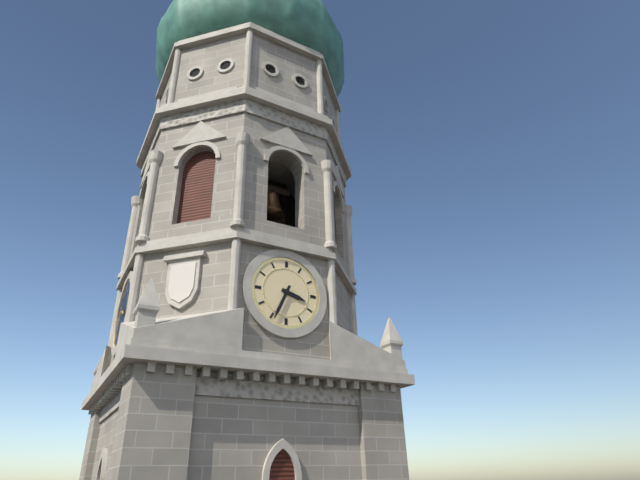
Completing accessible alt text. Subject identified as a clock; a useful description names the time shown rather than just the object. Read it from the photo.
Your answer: 3:34
